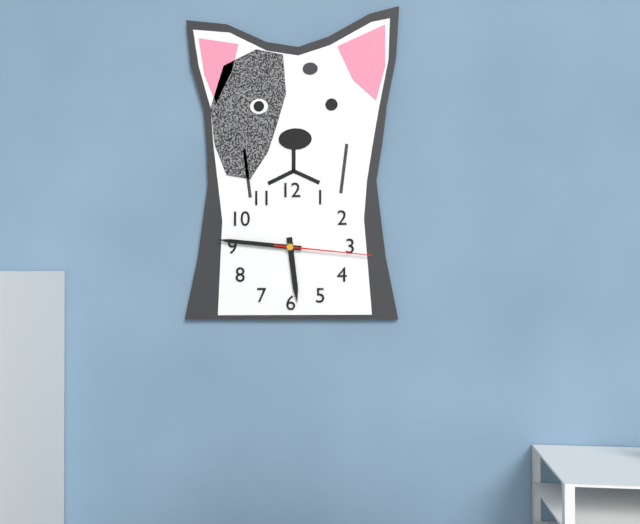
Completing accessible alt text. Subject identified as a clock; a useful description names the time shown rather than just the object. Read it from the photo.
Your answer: 5:46:16
